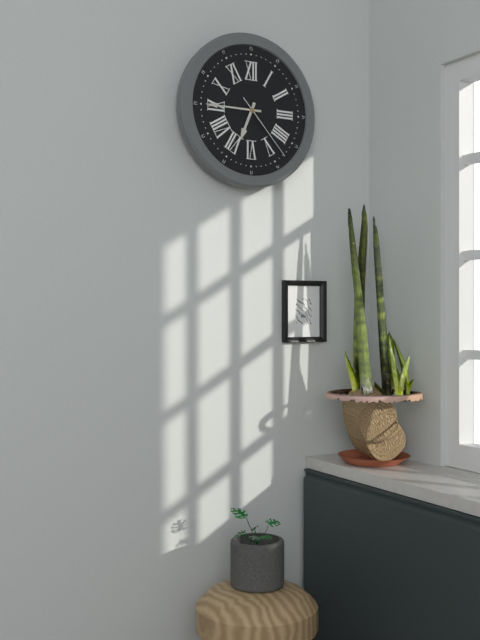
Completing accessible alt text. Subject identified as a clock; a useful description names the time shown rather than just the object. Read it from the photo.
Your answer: 6:45:23
